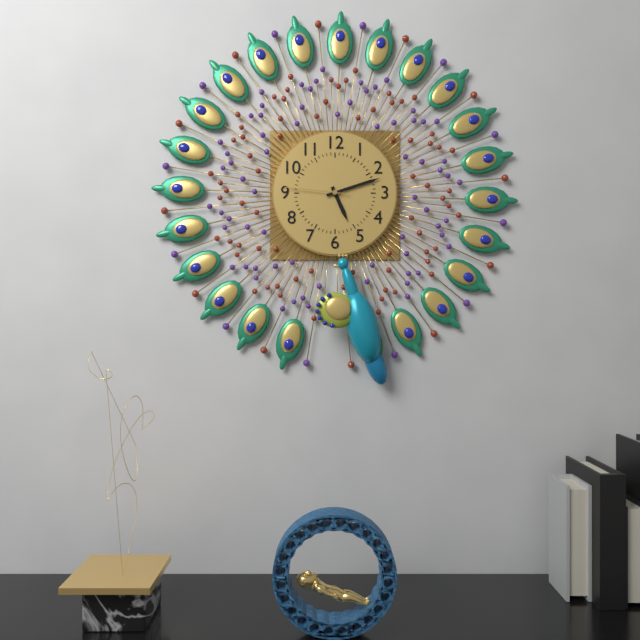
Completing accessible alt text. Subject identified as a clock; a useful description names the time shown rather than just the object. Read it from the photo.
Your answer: 5:12:46
